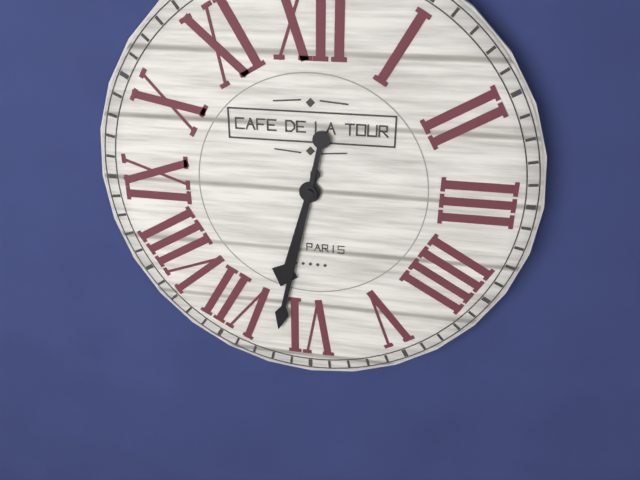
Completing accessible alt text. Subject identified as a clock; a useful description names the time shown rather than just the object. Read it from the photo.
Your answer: 6:32
